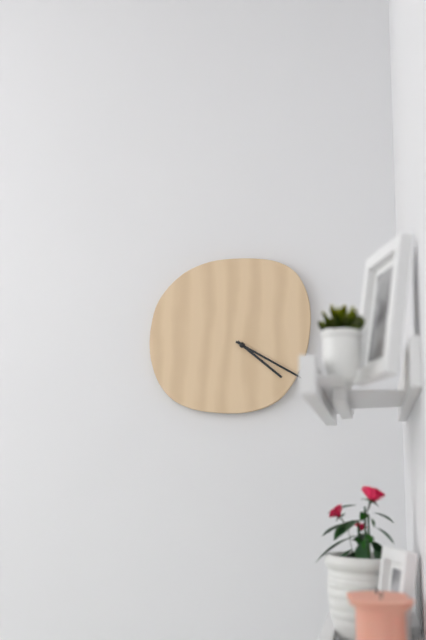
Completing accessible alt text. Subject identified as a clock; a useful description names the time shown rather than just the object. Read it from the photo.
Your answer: 4:20
